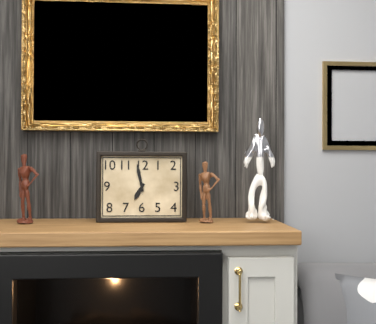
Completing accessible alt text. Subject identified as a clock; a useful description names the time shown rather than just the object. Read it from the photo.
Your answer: 6:58
